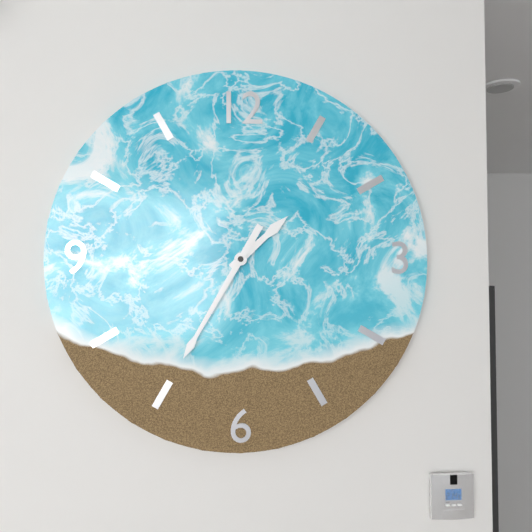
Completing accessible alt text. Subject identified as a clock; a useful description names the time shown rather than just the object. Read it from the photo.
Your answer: 1:35
